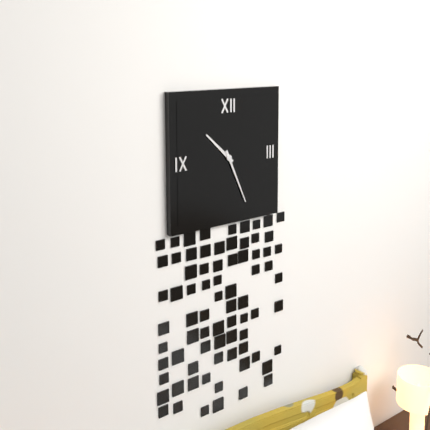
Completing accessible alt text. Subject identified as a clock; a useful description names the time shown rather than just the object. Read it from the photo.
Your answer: 10:26
